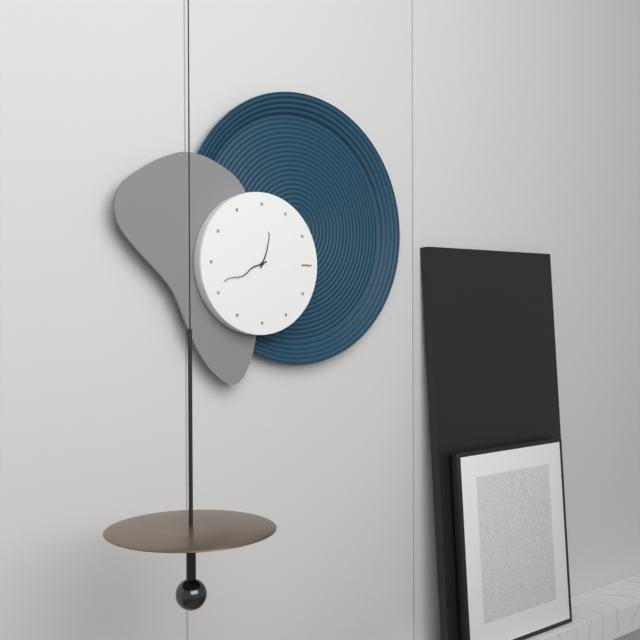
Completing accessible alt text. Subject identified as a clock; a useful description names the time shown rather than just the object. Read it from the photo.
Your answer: 12:41
